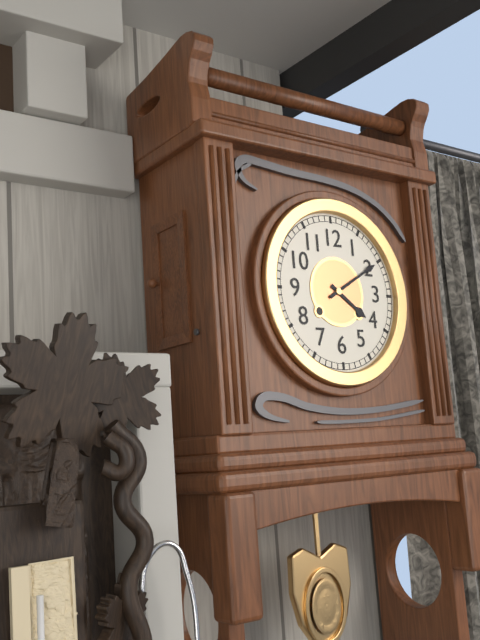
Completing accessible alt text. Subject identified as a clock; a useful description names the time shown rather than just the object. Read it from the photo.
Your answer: 4:10
